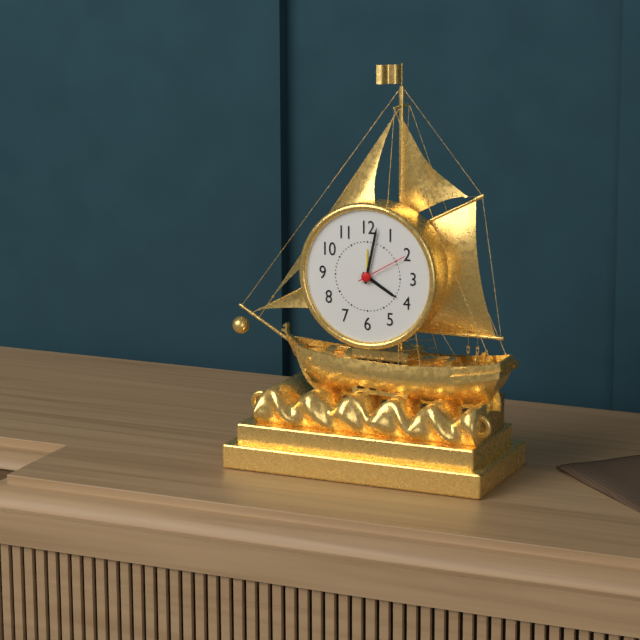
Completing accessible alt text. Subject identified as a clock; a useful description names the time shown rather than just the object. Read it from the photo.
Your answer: 4:02:10
